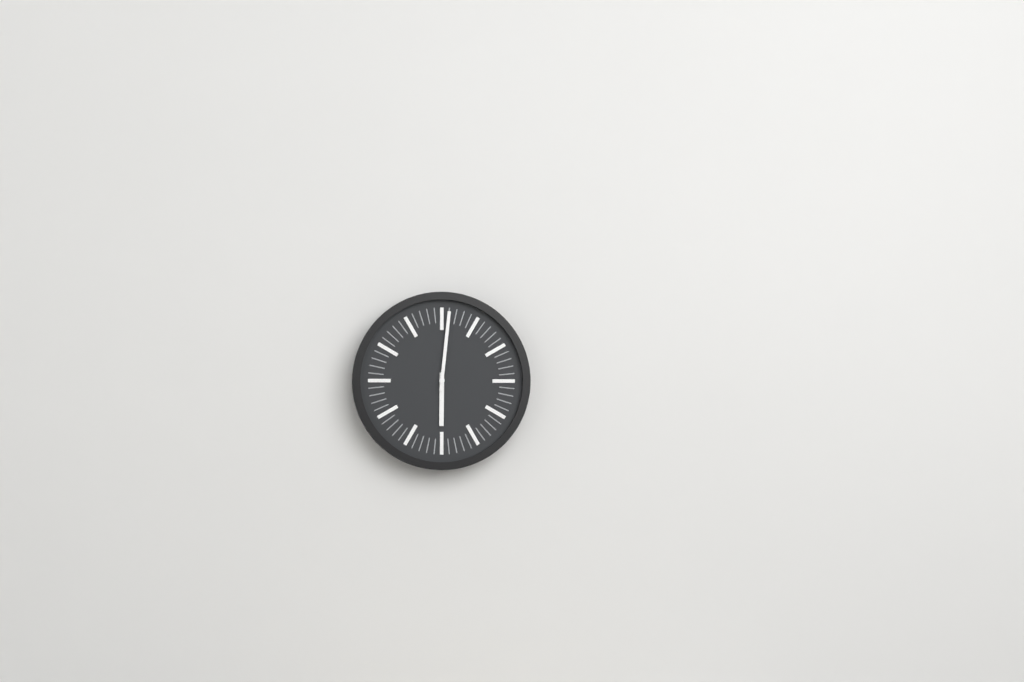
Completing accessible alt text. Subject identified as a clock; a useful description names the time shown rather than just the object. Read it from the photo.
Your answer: 6:01
